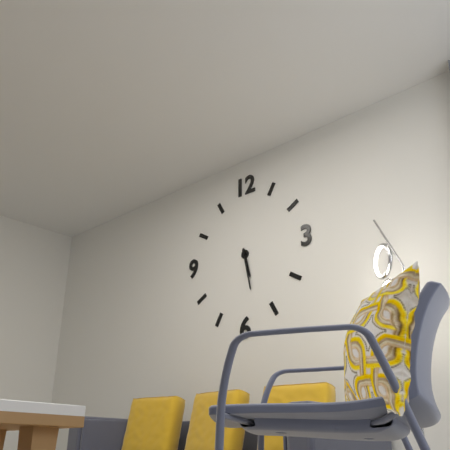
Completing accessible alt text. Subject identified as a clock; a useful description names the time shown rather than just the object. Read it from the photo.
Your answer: 5:28
